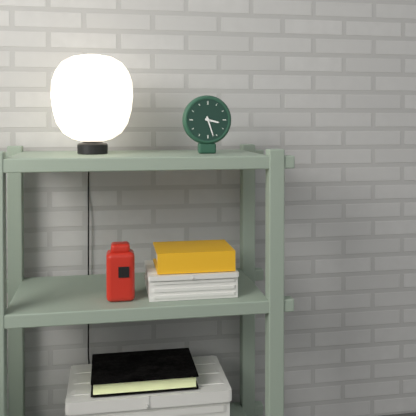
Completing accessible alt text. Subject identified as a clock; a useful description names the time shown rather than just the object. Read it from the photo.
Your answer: 3:27
